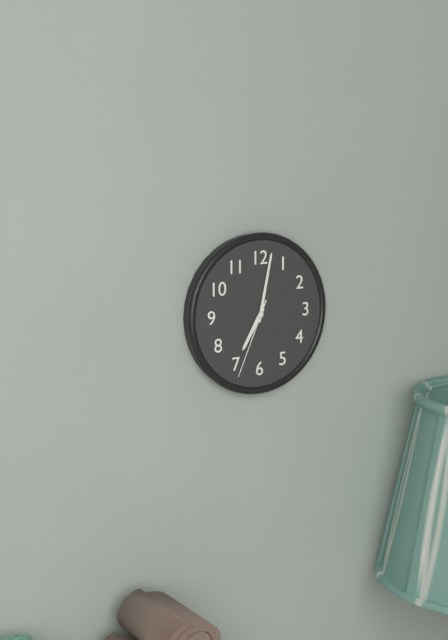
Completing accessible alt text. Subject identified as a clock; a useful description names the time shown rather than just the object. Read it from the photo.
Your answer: 7:02:34
